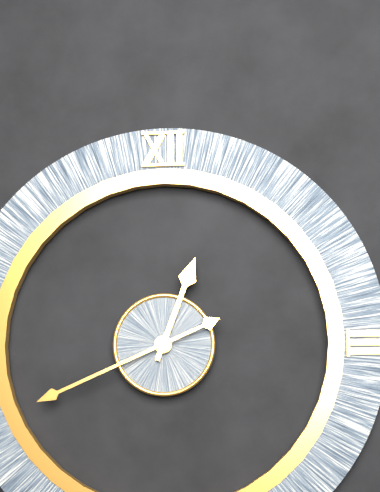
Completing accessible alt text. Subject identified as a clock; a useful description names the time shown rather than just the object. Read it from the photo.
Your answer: 12:41
